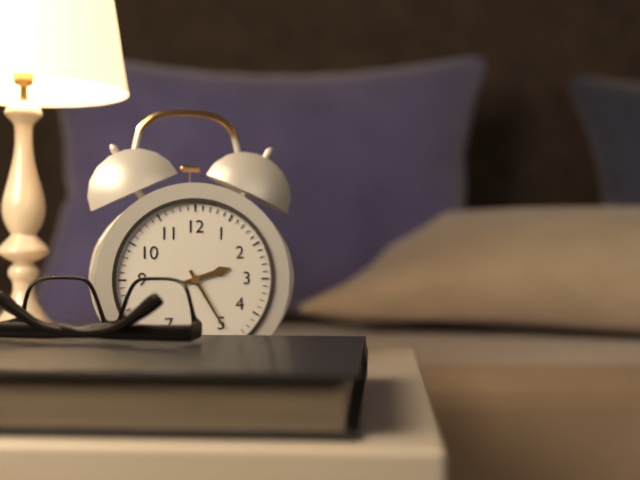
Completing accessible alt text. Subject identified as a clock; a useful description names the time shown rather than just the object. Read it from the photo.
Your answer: 2:25
